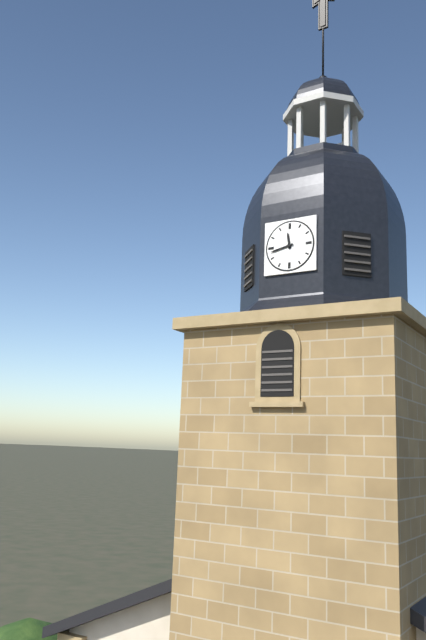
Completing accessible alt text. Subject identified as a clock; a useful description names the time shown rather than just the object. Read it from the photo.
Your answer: 11:43
